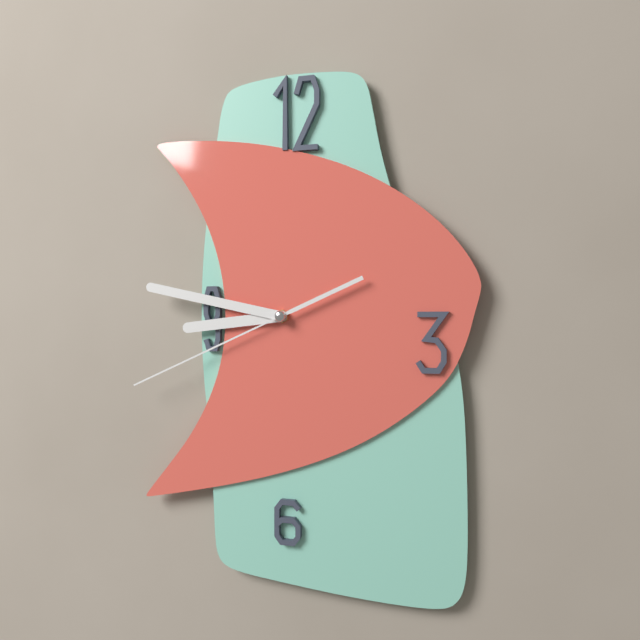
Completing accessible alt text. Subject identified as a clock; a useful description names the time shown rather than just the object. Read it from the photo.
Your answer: 8:47:41
